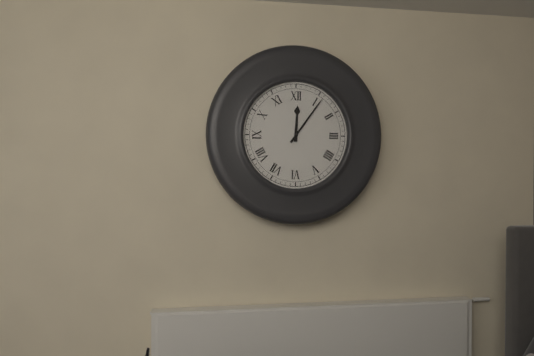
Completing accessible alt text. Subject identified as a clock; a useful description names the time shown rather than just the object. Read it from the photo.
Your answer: 12:06
